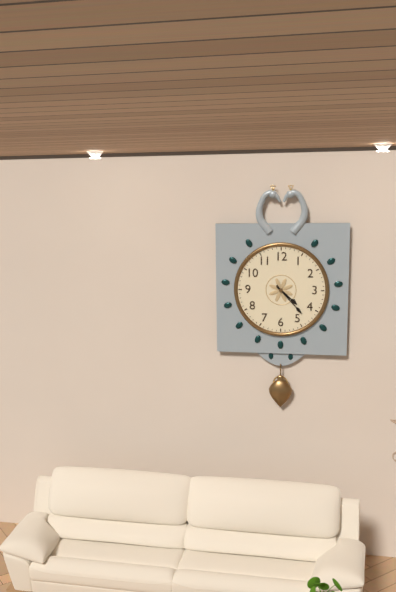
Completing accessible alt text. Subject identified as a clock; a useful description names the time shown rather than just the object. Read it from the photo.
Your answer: 4:23
